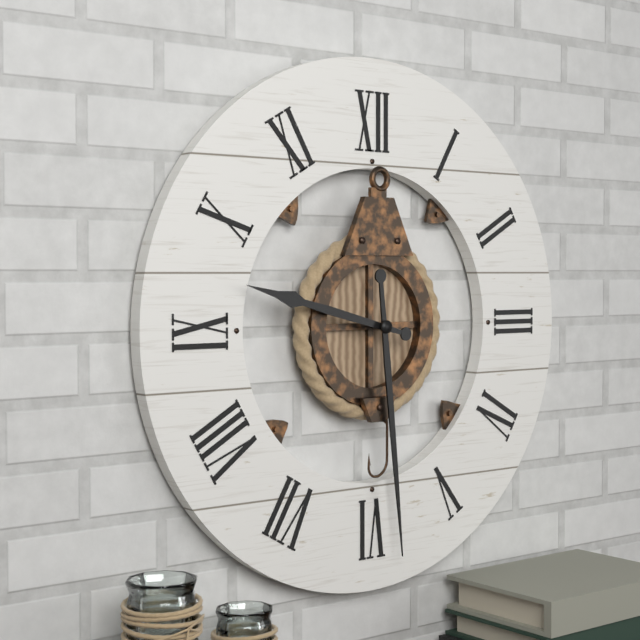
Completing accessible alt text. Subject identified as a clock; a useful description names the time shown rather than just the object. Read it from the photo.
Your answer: 9:29
